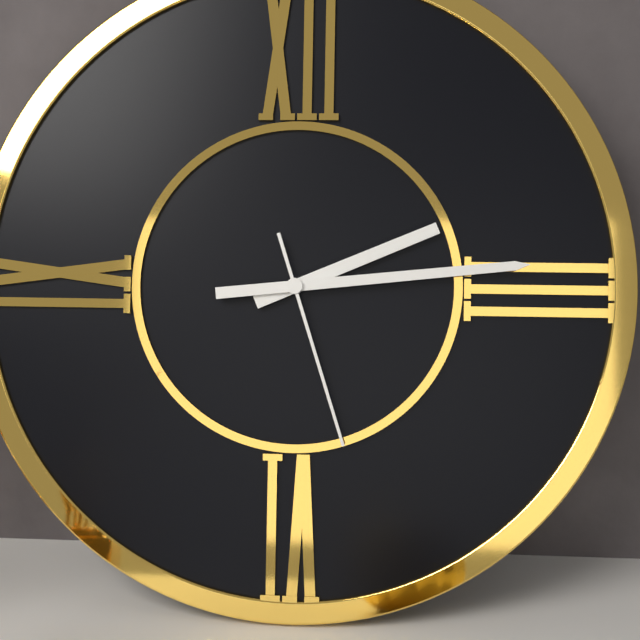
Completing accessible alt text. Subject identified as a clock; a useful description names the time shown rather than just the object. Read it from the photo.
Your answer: 2:14:27
